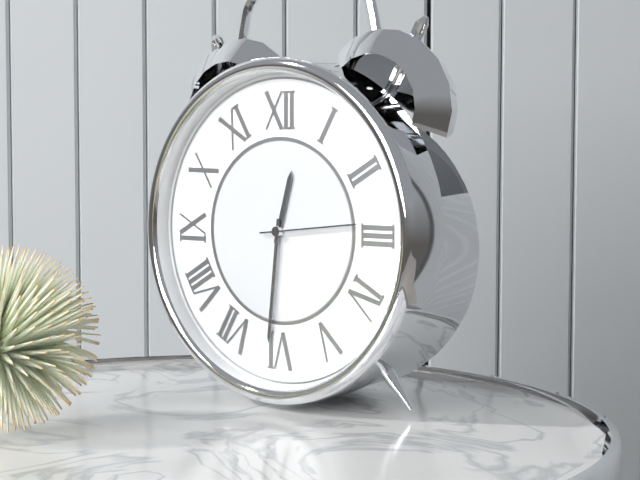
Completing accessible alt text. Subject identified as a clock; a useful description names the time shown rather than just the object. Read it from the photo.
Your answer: 12:31:14
